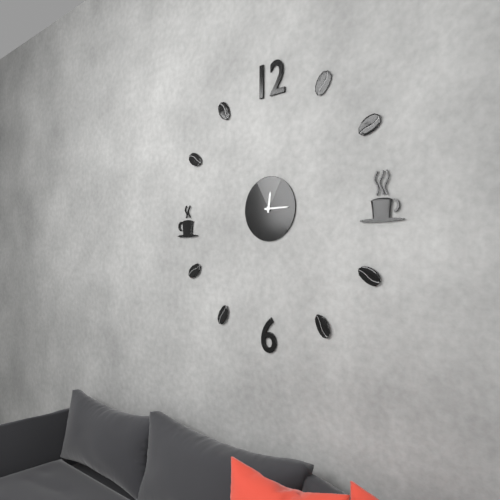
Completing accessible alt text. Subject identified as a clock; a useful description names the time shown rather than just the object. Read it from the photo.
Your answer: 12:15
